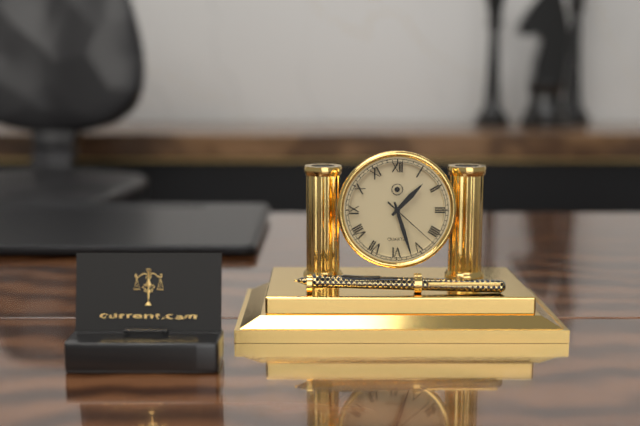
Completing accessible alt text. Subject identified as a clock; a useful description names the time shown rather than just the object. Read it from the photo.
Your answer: 1:27:22
